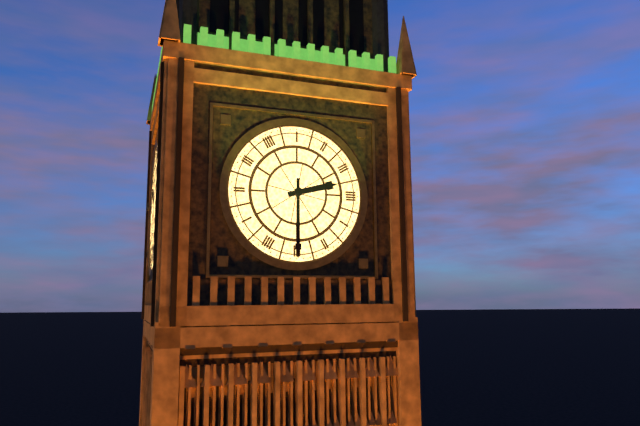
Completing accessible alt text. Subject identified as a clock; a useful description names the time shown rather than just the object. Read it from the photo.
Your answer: 2:30
